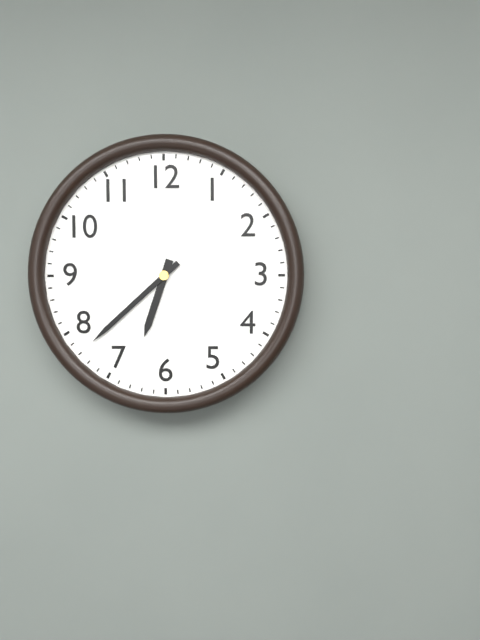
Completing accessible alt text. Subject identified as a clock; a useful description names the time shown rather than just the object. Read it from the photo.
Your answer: 6:38
